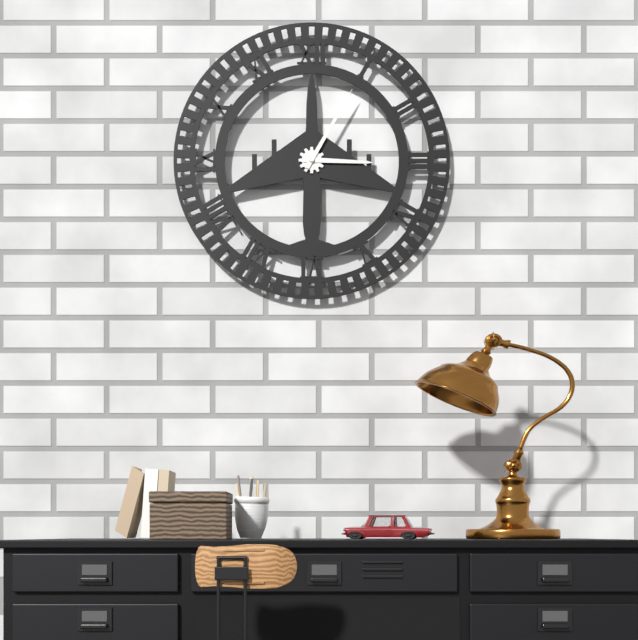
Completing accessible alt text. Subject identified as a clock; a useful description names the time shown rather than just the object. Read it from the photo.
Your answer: 3:05
